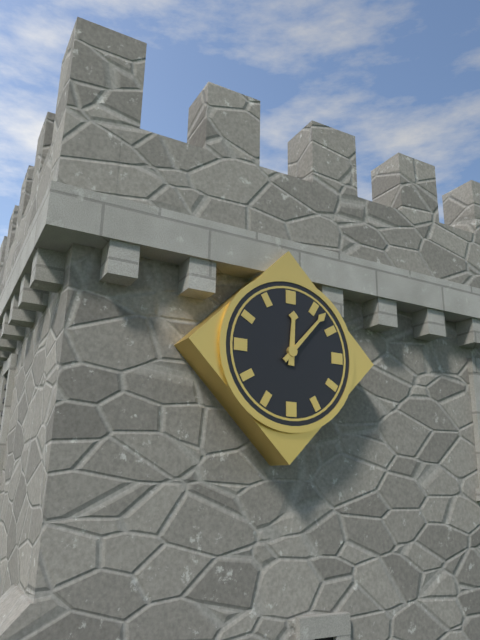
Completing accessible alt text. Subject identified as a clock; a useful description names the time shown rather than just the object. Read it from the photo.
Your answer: 12:07
